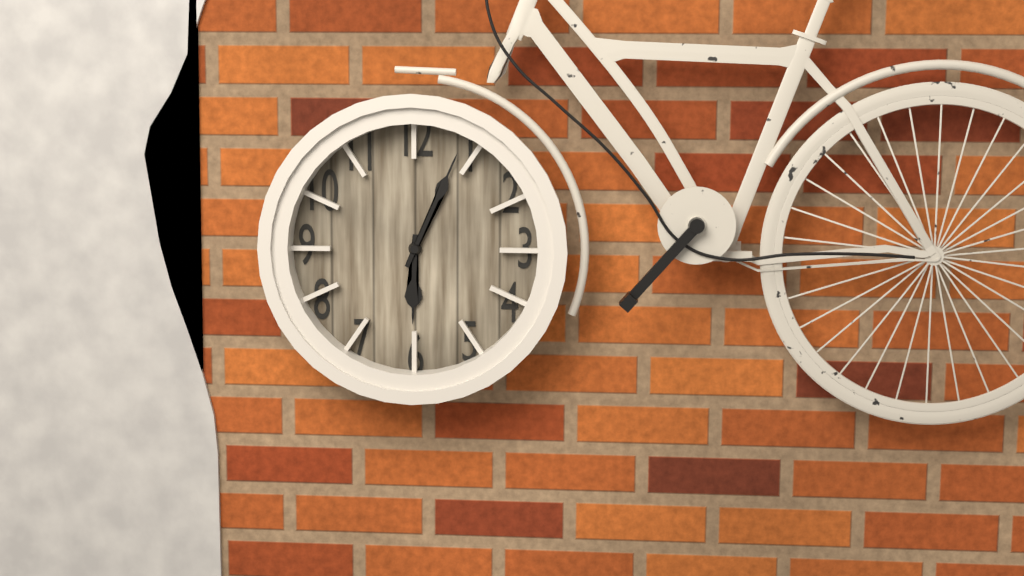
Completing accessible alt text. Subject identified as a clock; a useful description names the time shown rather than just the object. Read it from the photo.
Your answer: 6:04
